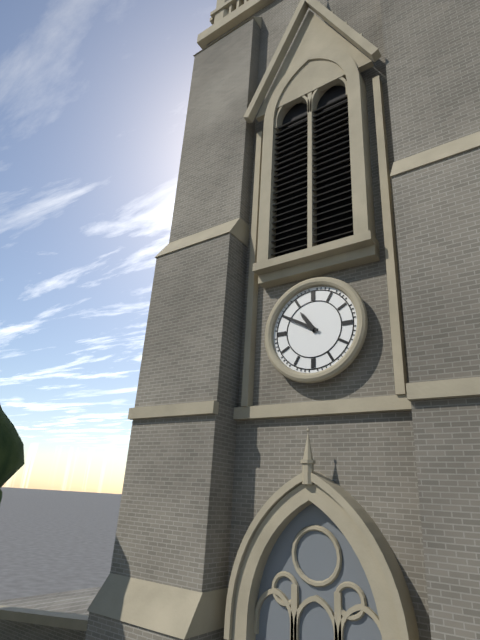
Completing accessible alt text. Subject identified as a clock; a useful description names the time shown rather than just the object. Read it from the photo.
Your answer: 10:50
